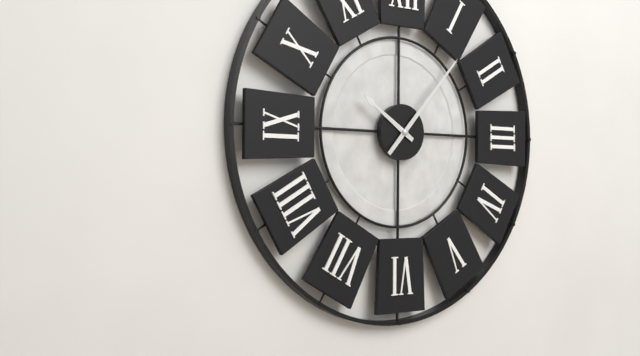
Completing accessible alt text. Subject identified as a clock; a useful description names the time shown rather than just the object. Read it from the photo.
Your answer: 10:07
